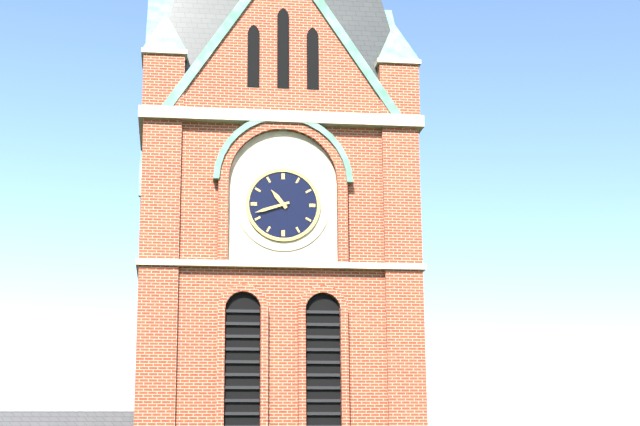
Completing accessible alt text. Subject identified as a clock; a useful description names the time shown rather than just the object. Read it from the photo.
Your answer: 10:42
